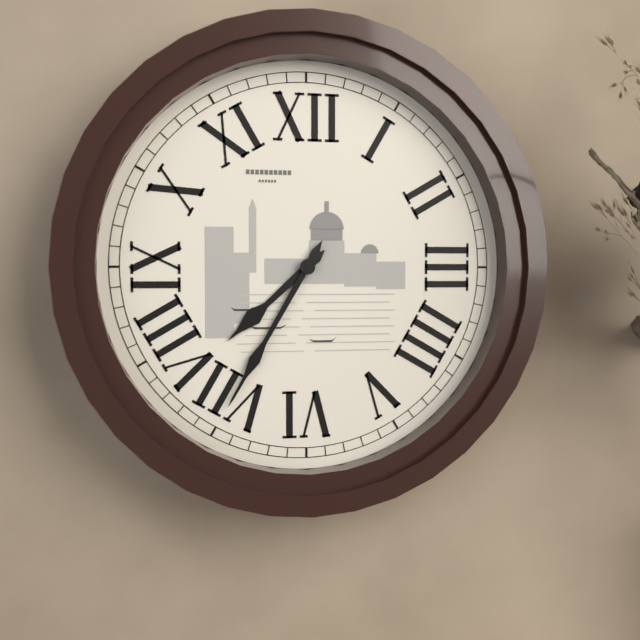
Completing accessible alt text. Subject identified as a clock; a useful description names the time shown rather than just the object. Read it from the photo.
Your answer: 7:35
